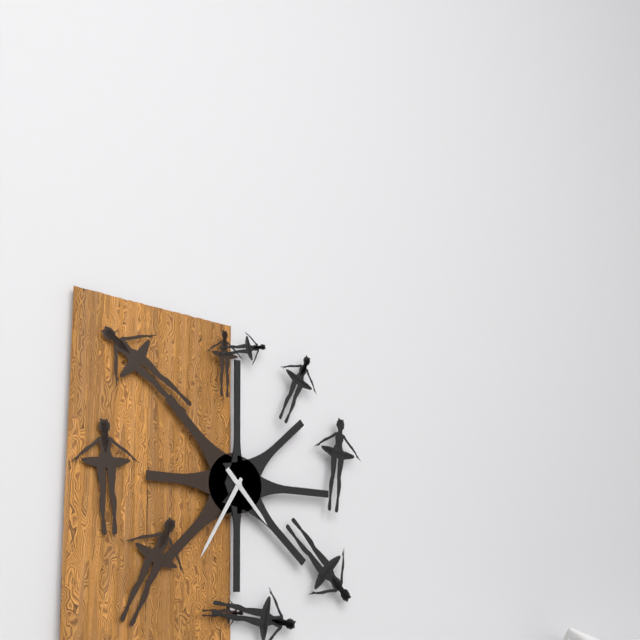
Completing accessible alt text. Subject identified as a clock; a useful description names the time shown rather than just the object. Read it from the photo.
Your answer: 4:35
